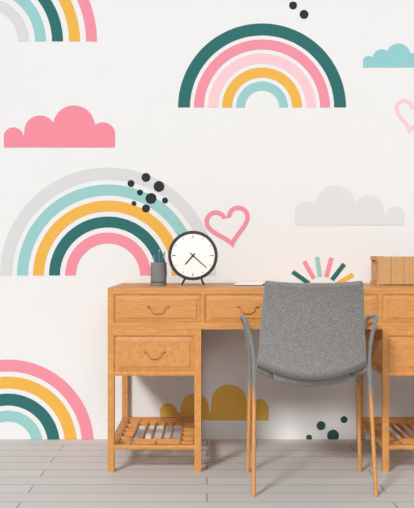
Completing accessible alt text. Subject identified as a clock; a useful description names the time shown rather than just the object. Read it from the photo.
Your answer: 7:22
